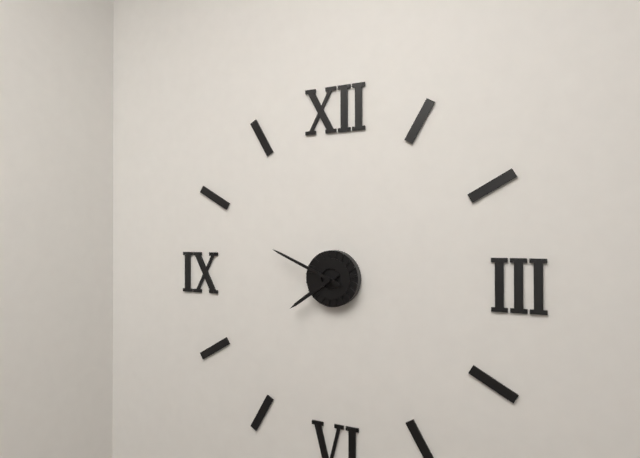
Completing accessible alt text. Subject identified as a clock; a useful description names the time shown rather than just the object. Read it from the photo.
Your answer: 7:49
